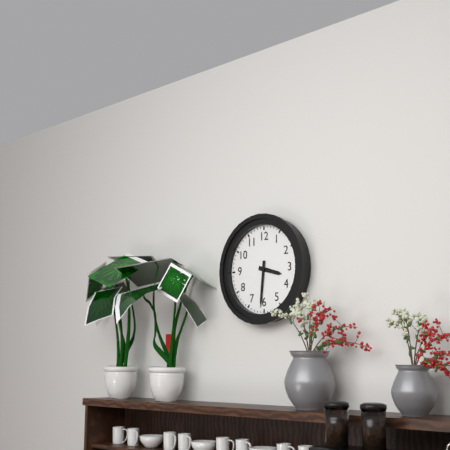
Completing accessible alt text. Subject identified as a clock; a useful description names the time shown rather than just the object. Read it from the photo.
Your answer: 3:31
